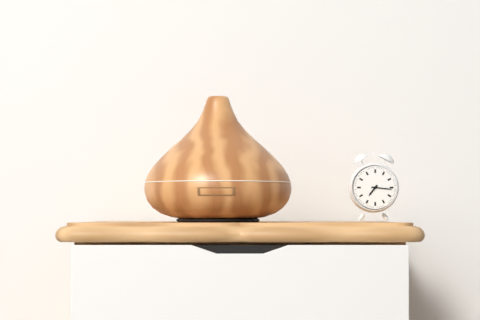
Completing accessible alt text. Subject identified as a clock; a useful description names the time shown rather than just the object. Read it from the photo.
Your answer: 7:16
